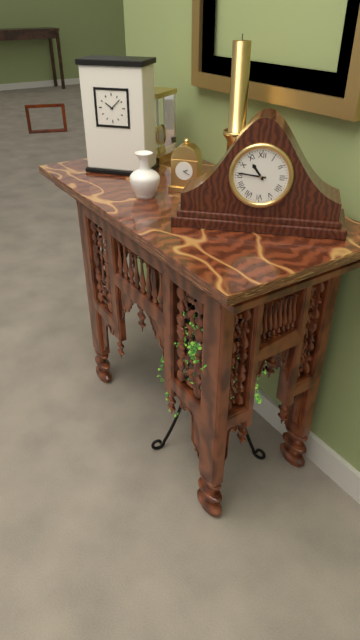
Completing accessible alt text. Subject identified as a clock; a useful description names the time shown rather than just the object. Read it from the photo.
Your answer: 10:46
